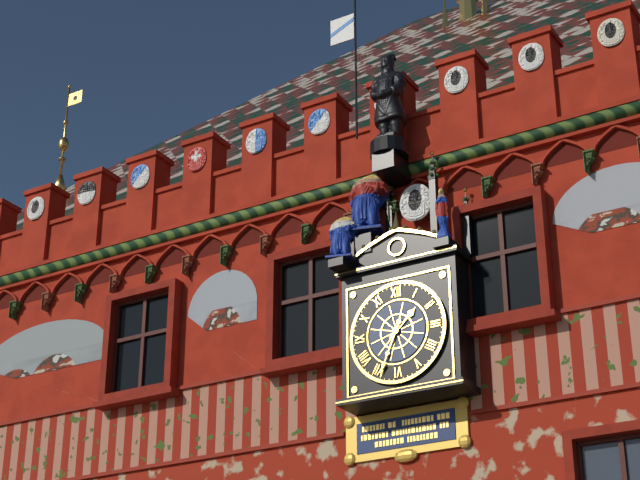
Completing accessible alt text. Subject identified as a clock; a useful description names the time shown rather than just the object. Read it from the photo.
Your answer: 1:34
